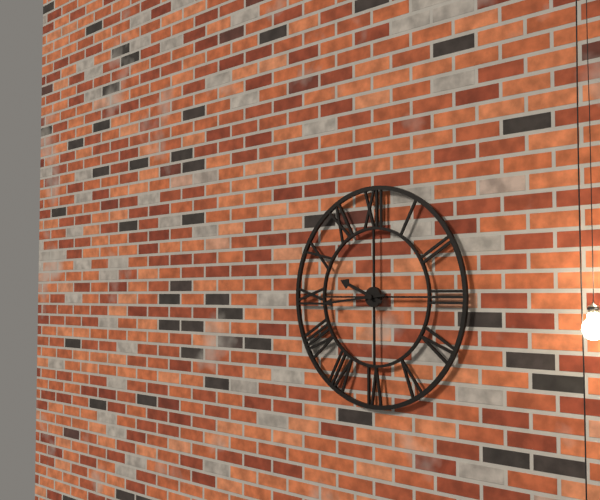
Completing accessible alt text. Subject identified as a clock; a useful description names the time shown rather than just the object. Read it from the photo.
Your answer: 9:44
